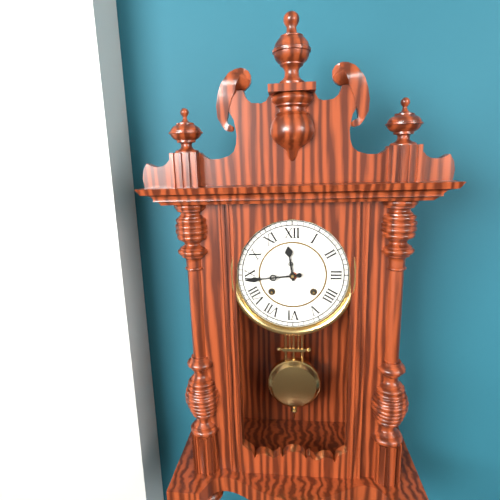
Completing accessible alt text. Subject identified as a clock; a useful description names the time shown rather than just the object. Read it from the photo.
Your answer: 11:44
